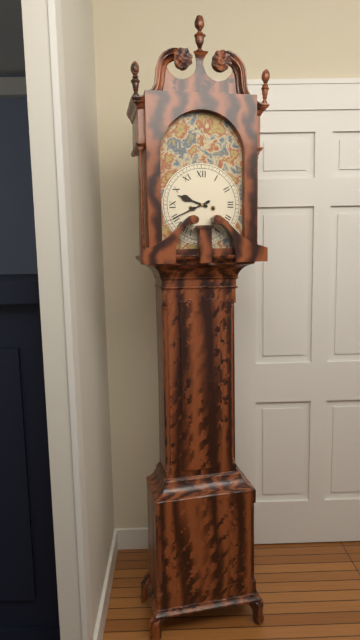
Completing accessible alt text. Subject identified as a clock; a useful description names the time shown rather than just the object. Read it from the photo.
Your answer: 9:41
